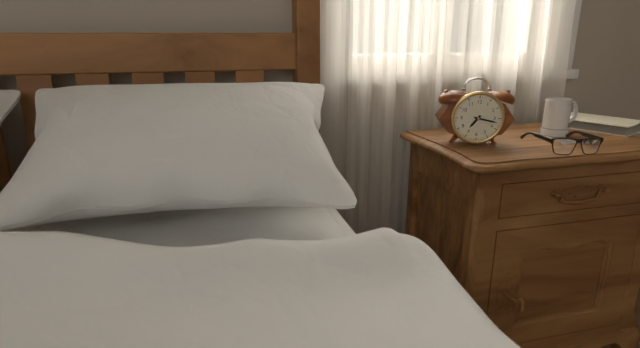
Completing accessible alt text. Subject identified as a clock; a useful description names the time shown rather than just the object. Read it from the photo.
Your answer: 7:17
